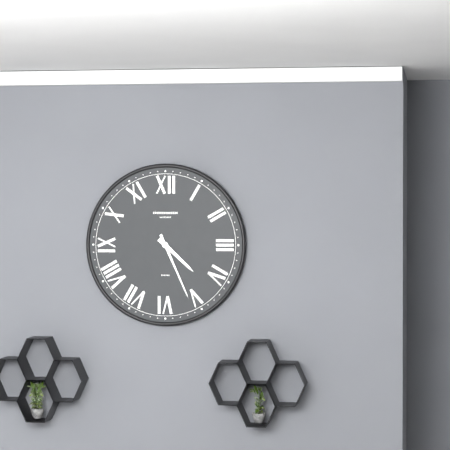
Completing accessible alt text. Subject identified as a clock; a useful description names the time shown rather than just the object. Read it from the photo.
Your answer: 4:26
